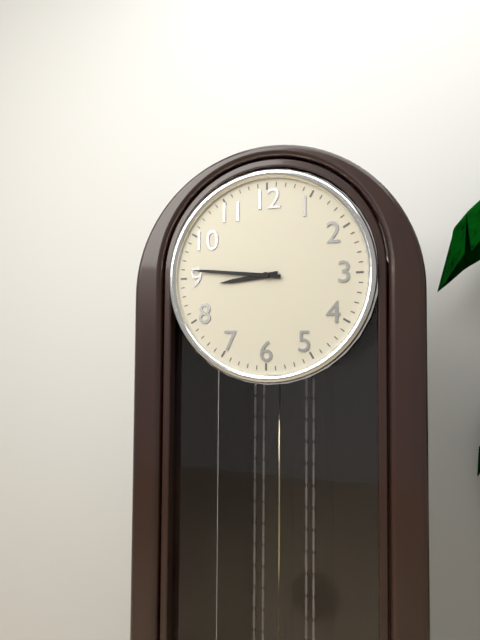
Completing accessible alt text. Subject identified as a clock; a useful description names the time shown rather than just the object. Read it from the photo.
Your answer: 8:46
